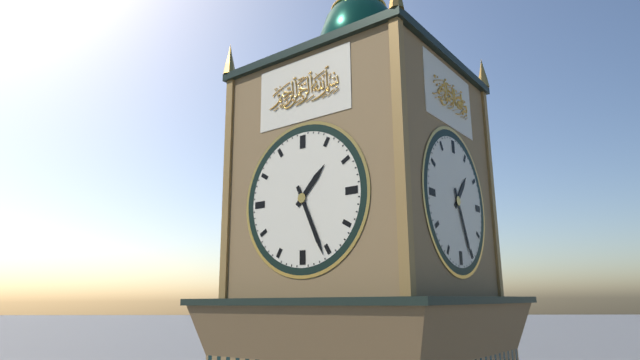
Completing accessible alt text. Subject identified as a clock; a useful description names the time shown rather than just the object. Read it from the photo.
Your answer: 1:26
